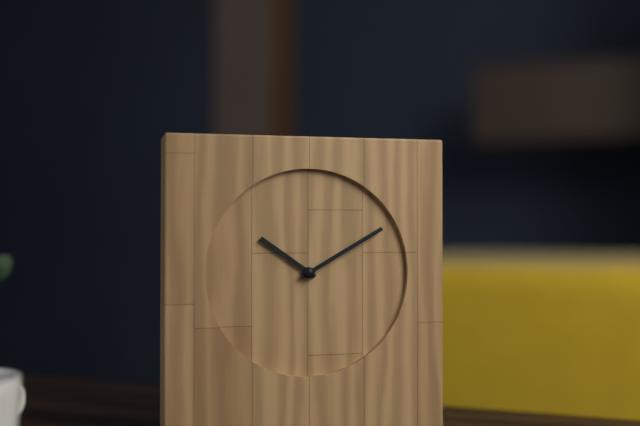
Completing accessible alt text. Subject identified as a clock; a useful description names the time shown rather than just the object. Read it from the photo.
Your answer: 10:10
